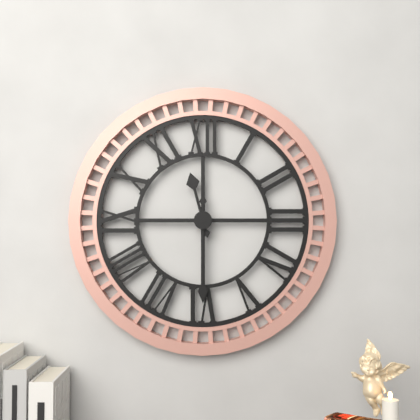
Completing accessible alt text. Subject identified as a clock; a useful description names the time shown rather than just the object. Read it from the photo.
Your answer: 11:30
